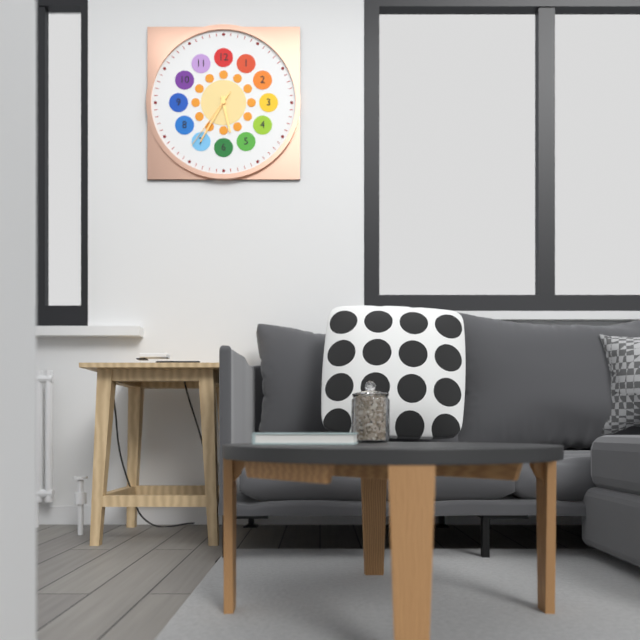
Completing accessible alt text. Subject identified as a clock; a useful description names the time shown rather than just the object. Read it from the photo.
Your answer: 5:35:36
